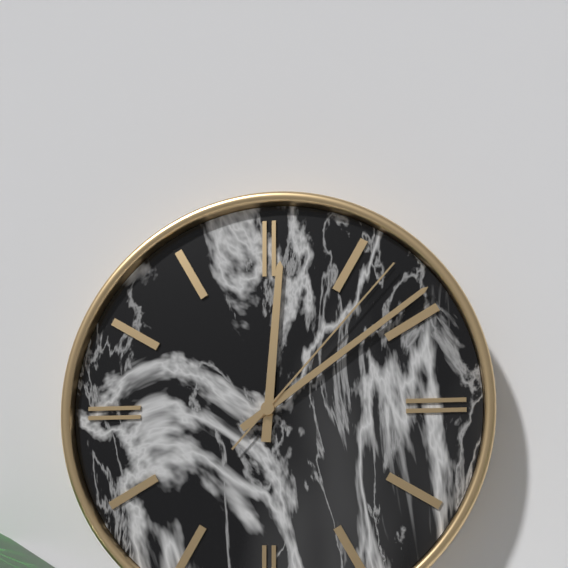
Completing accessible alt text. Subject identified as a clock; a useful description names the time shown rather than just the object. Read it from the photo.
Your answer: 12:09:07
